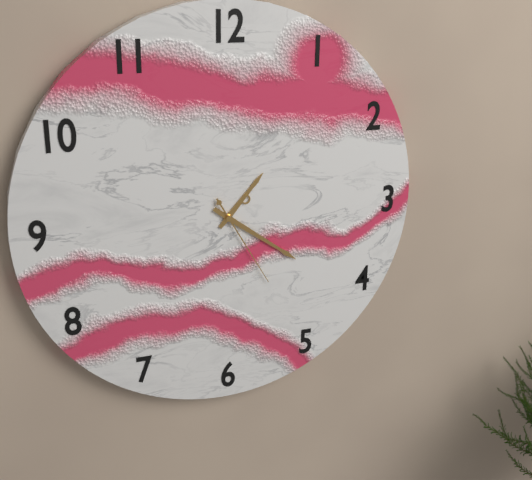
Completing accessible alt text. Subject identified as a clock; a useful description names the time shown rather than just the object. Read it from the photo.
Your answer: 1:21:25
